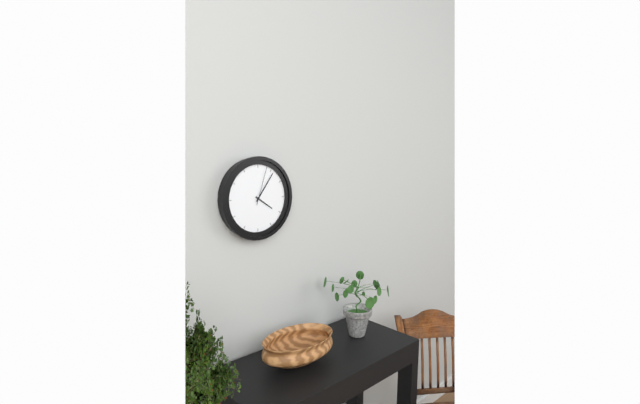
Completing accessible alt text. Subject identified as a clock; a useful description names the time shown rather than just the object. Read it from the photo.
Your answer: 4:06
